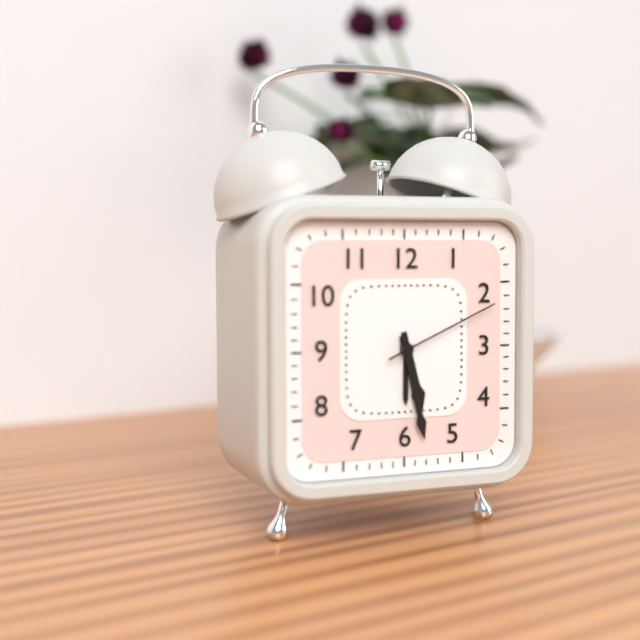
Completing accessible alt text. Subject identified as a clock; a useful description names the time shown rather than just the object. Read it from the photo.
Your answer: 5:28:11
